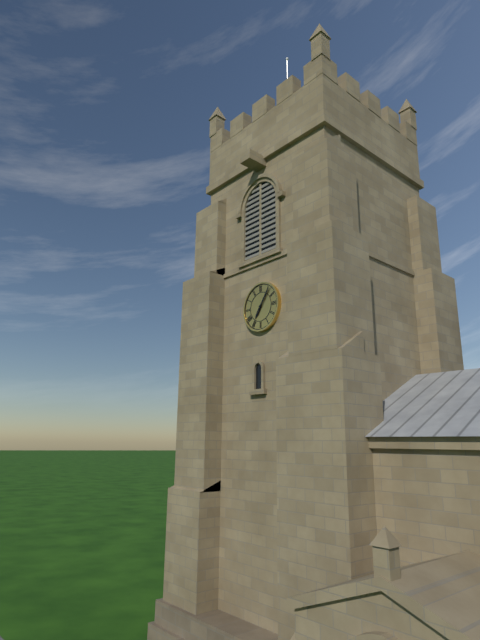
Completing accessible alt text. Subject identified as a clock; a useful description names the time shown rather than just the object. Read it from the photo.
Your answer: 7:06
